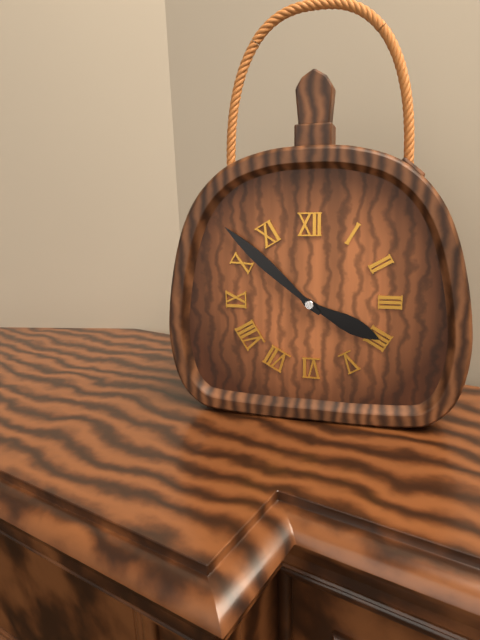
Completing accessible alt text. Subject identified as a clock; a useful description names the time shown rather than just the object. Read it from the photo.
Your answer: 3:52
